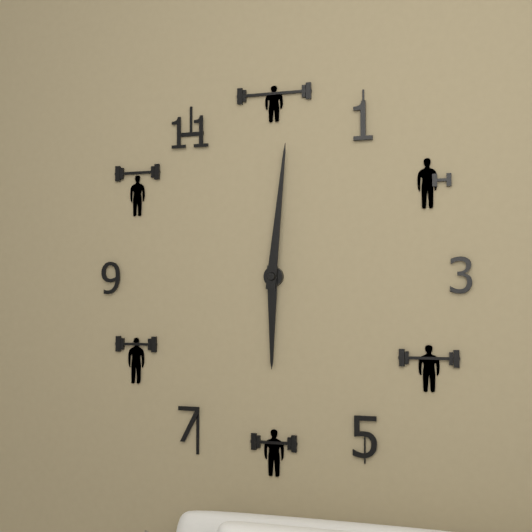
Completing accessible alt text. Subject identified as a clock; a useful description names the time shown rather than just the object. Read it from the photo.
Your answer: 6:01
